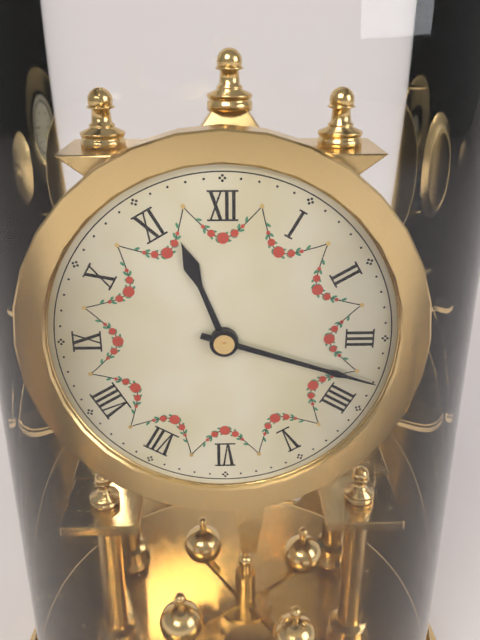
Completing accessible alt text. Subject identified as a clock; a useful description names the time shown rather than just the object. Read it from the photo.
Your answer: 11:18
